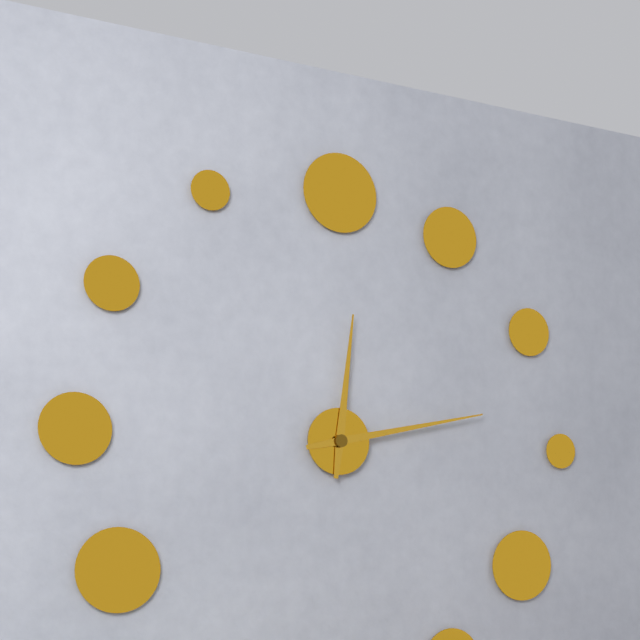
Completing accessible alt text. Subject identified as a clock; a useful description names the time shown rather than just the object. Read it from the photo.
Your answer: 12:13
